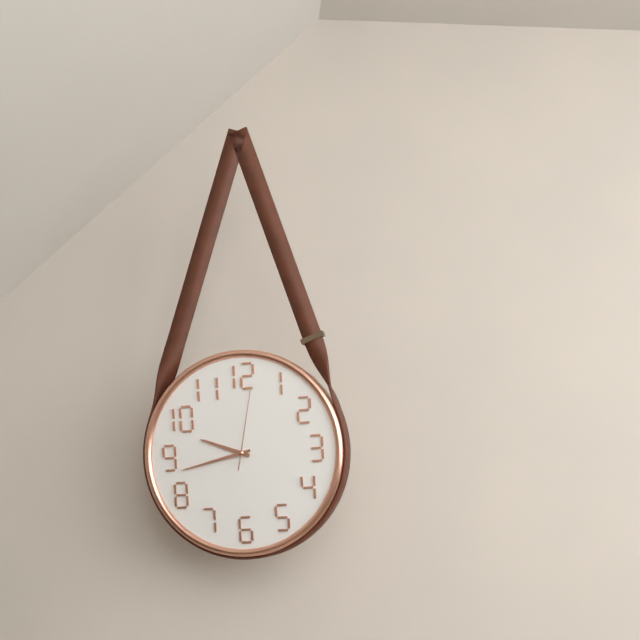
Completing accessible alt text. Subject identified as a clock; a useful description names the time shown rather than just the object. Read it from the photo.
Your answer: 9:43:02
